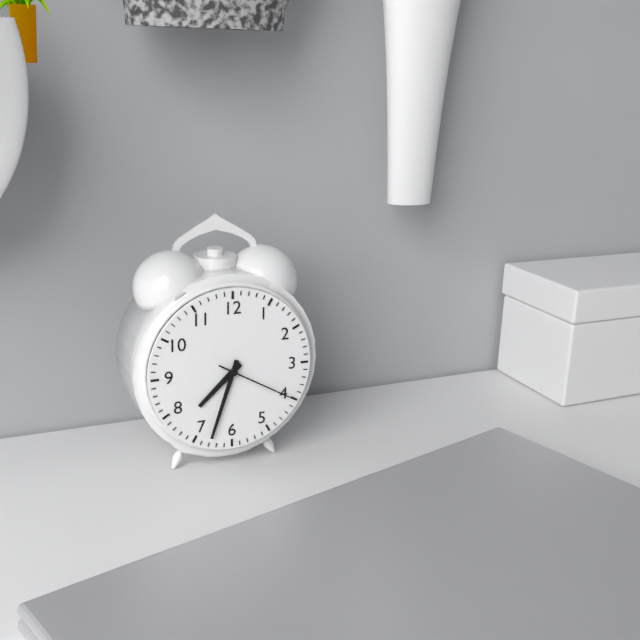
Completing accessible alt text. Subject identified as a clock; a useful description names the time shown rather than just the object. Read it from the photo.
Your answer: 7:33:20
